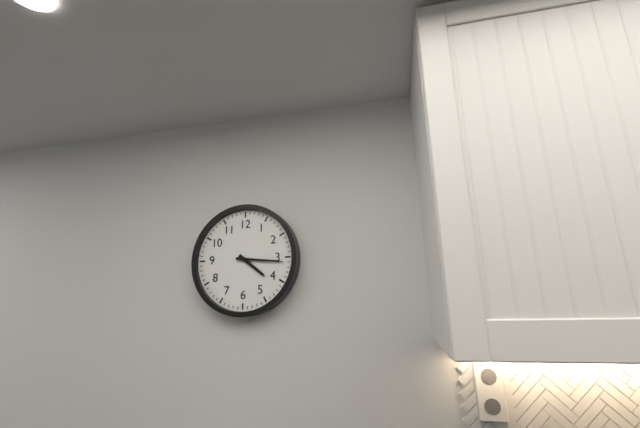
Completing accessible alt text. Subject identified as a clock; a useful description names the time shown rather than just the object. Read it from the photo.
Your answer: 4:16
